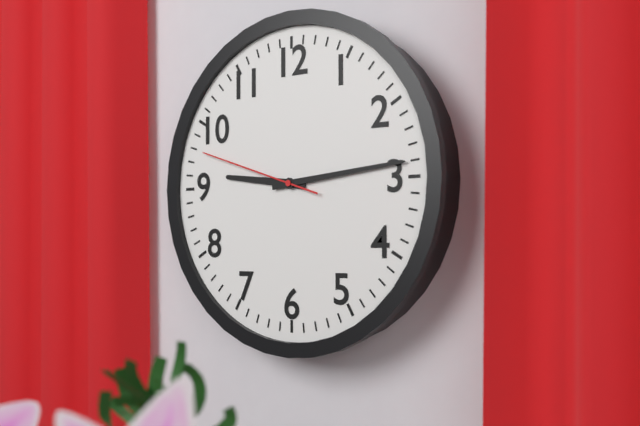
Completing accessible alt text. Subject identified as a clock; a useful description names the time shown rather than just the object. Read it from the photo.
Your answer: 9:14:48
